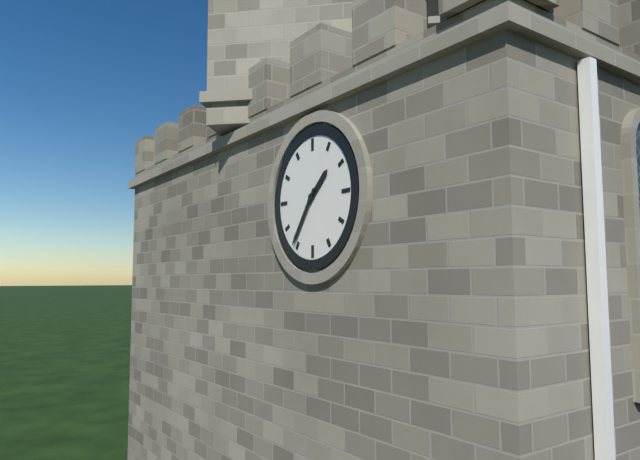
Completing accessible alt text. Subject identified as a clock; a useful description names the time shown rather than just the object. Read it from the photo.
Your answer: 1:36
